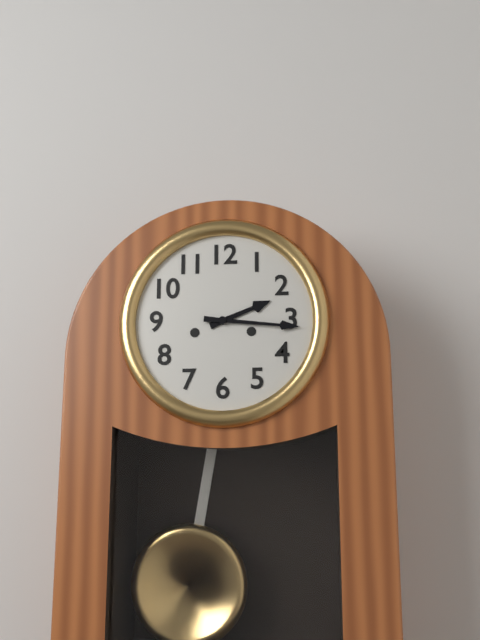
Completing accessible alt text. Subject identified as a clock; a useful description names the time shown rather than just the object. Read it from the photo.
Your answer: 2:16
